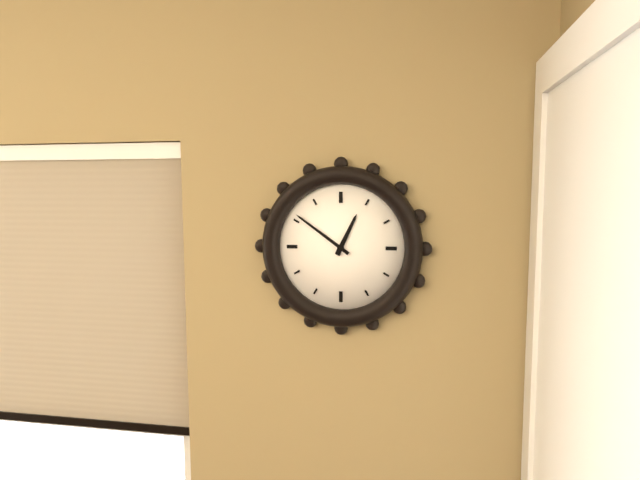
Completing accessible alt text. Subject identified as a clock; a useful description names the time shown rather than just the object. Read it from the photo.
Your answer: 12:51
